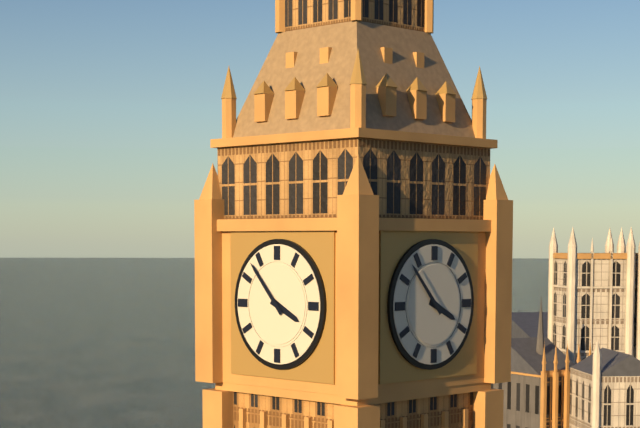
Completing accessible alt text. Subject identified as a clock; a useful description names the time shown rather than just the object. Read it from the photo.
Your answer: 3:53
